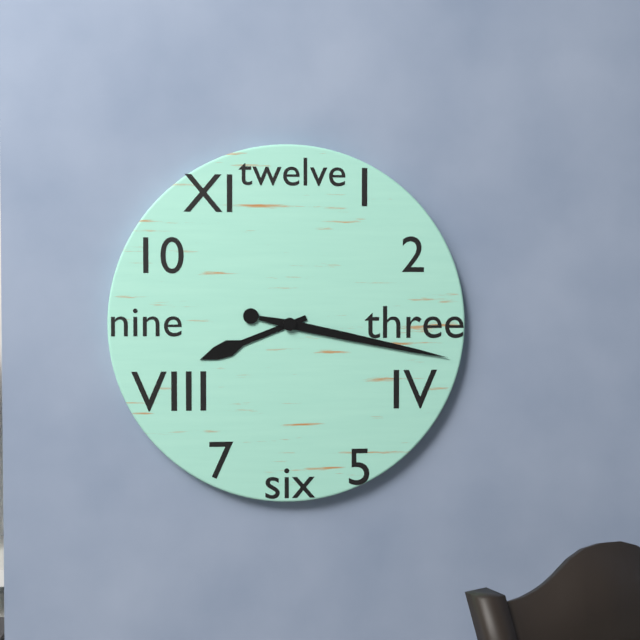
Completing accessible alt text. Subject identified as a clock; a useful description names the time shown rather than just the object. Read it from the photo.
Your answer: 8:17
